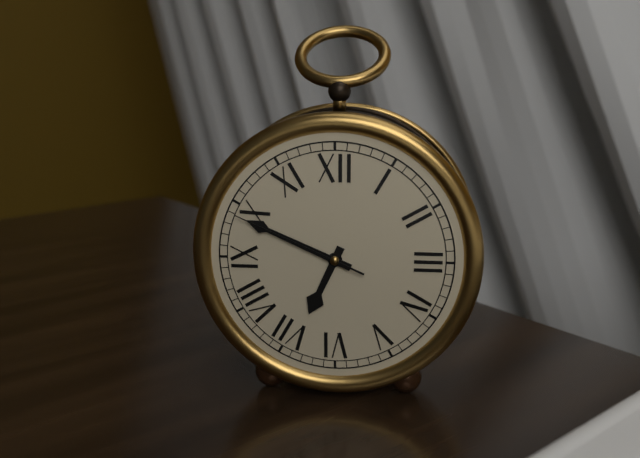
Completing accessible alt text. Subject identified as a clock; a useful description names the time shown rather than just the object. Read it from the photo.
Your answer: 6:49:49
